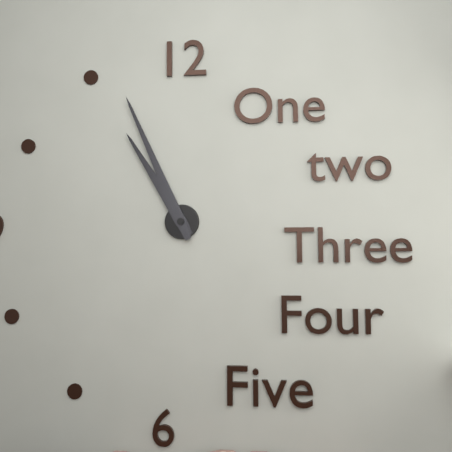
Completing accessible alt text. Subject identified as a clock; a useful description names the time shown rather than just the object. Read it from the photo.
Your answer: 10:56
